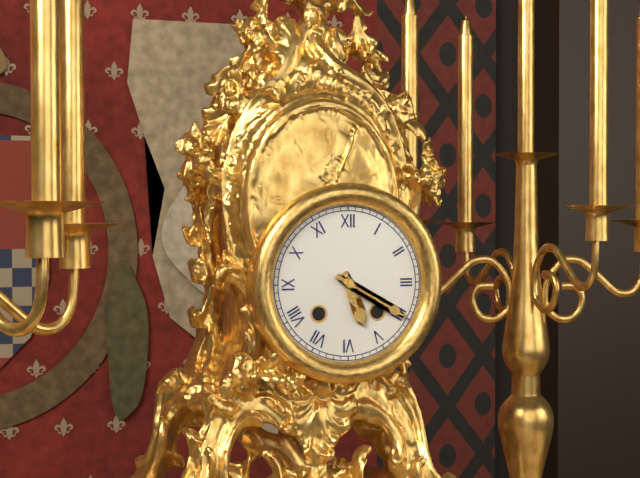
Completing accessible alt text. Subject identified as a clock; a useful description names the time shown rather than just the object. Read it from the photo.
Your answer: 5:20
